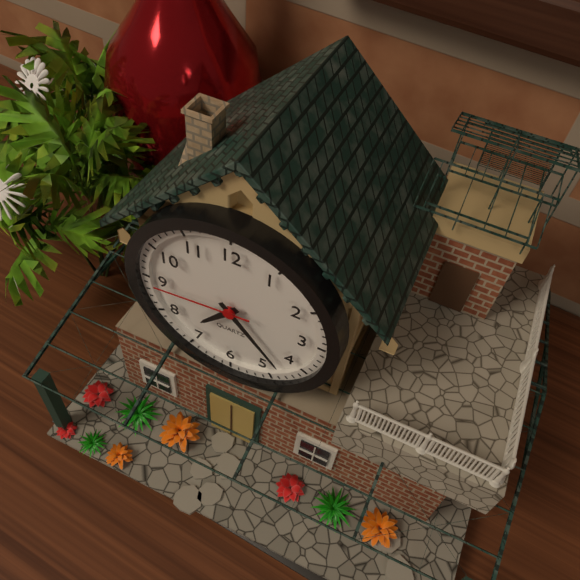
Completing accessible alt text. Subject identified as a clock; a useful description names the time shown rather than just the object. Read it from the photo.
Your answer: 7:23:44
